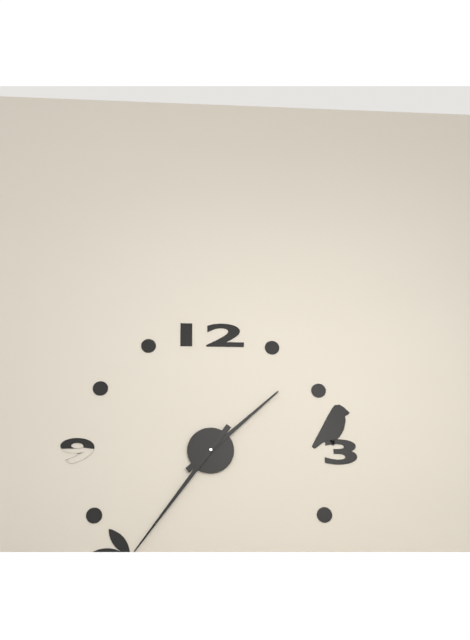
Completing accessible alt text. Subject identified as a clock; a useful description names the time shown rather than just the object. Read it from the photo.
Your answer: 1:36
